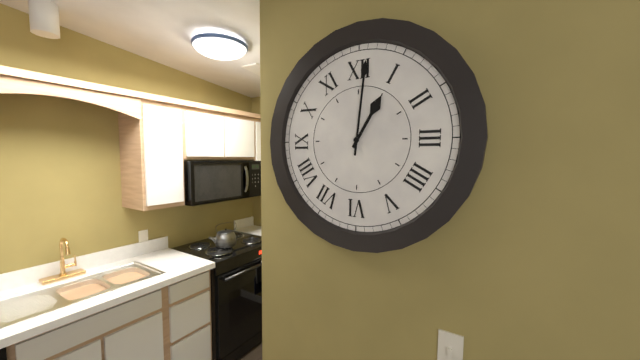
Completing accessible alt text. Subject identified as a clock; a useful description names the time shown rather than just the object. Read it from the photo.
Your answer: 1:01
